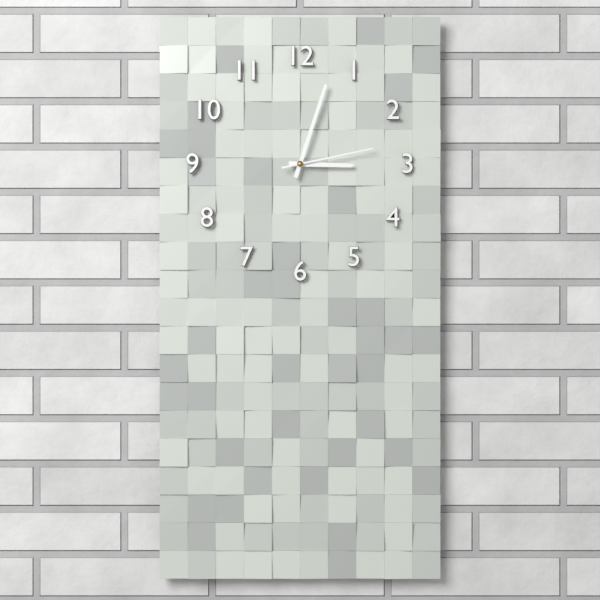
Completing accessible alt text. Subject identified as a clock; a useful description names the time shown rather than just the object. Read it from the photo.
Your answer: 3:03:13
